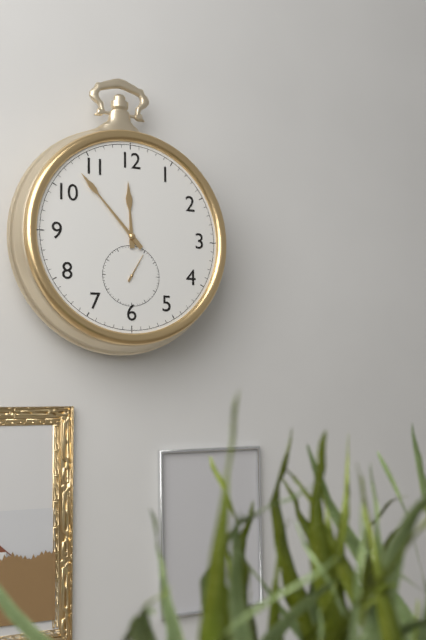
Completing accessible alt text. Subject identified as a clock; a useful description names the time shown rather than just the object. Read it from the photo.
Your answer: 11:53
